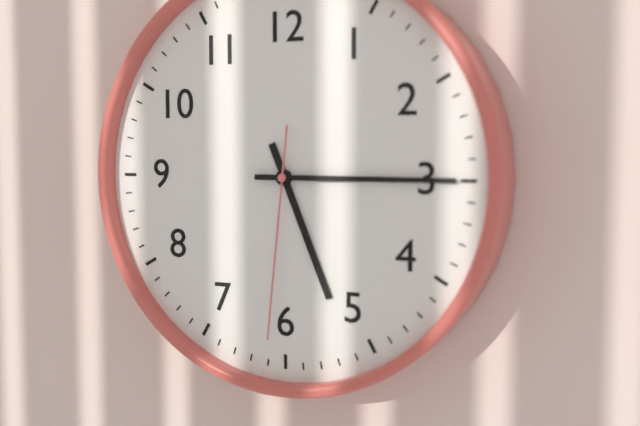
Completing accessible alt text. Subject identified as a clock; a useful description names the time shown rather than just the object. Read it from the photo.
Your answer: 5:15:31
